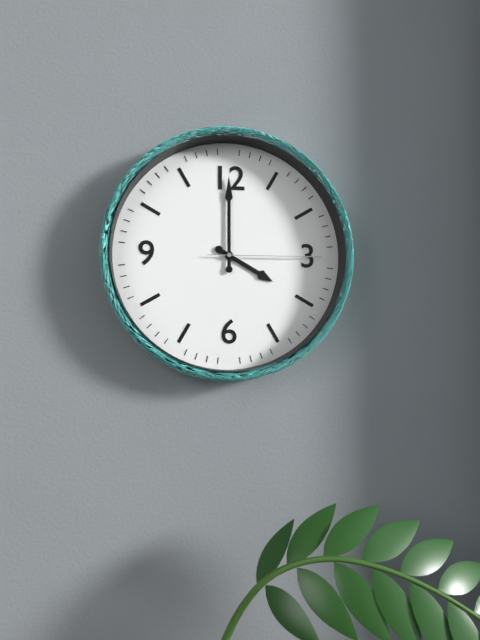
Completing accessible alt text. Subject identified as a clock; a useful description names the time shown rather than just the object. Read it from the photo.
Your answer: 4:00:15
